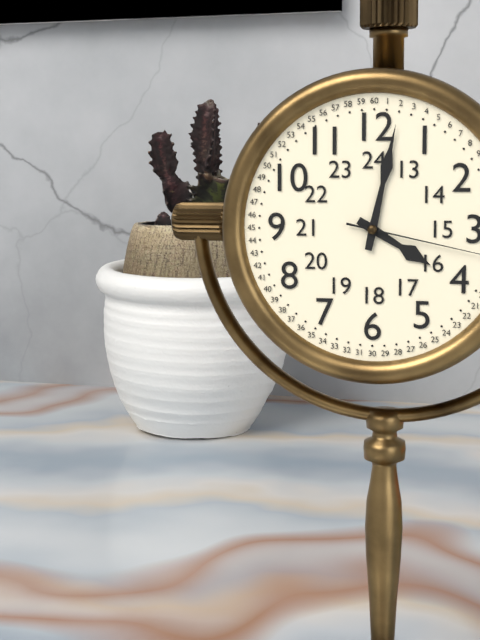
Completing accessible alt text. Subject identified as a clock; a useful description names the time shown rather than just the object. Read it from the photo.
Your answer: 4:02
